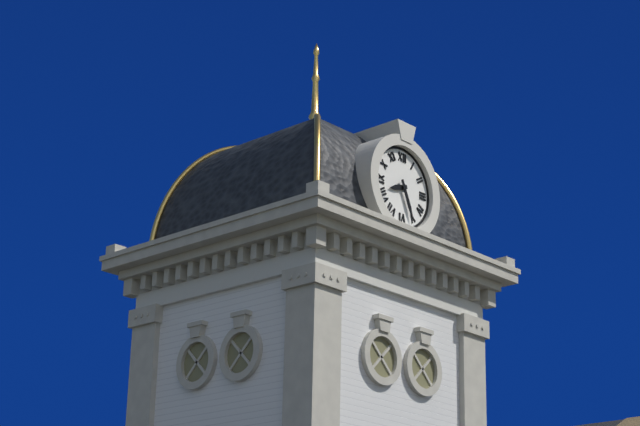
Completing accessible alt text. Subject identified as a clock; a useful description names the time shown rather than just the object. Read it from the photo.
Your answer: 8:26
